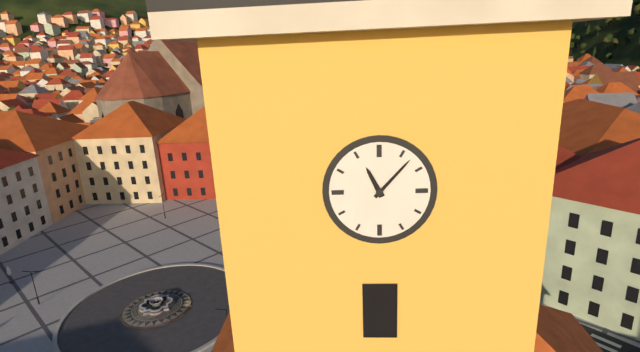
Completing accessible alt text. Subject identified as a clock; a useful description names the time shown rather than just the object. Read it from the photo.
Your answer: 11:07
